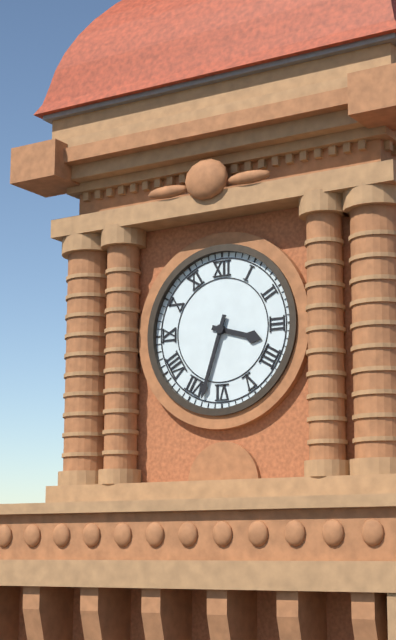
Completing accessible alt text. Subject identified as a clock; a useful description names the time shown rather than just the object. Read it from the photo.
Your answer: 3:33
